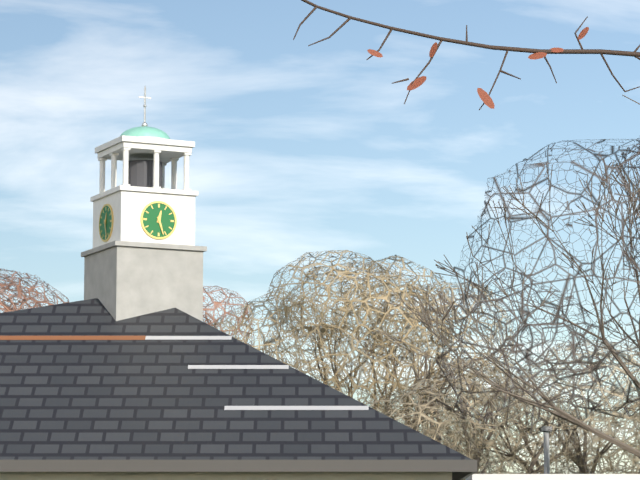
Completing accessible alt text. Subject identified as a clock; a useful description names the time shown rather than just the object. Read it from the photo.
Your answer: 12:27
